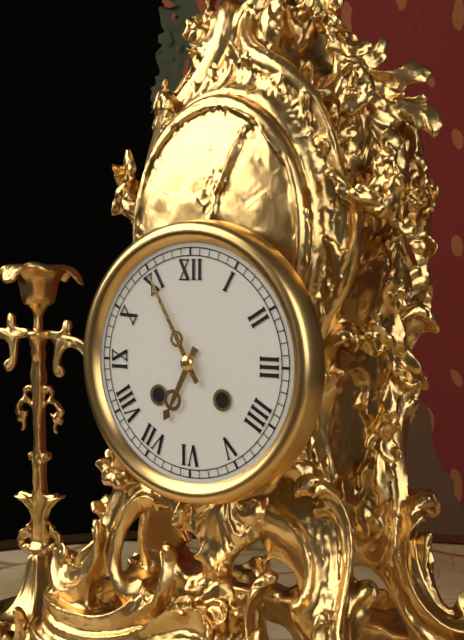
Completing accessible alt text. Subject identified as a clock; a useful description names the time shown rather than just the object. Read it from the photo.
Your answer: 6:55
